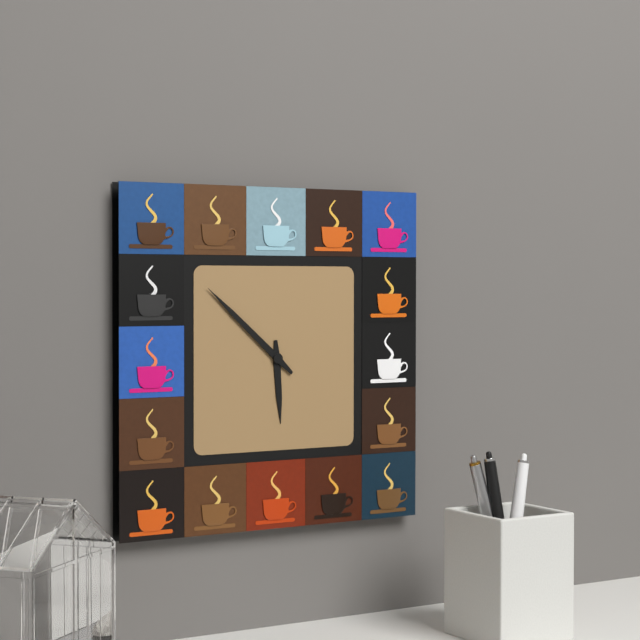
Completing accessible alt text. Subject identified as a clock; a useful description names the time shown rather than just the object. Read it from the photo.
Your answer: 5:52
